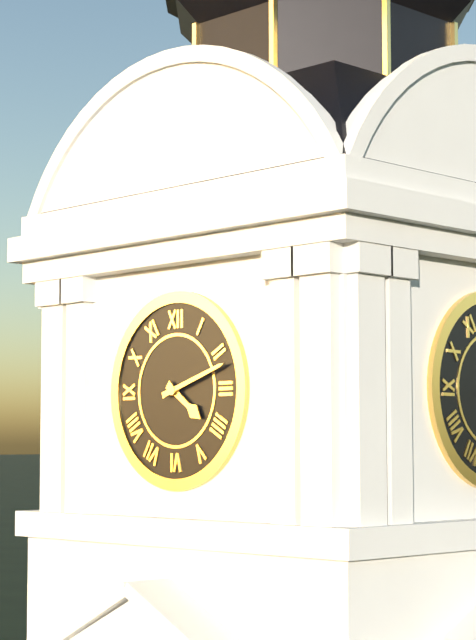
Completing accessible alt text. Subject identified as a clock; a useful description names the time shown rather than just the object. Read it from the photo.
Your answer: 4:12
